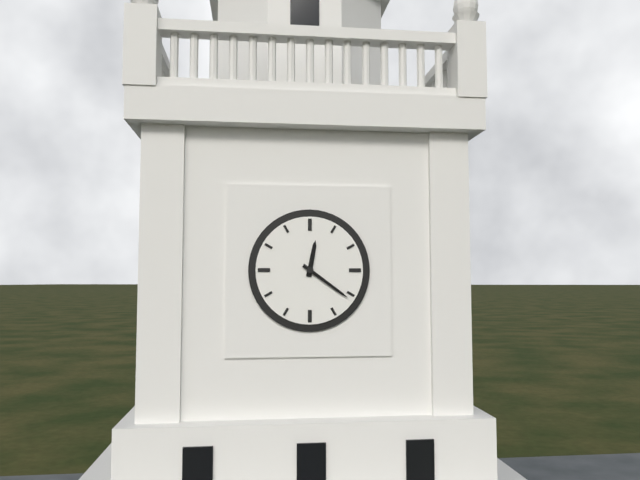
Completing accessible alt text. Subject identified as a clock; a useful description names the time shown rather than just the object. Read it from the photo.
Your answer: 12:21
